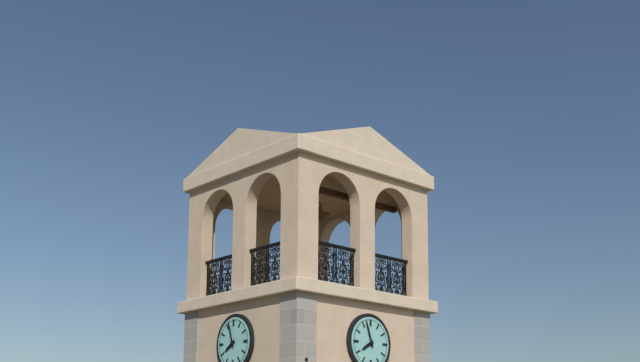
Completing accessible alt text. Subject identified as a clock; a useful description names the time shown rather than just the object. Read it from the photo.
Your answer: 7:57
